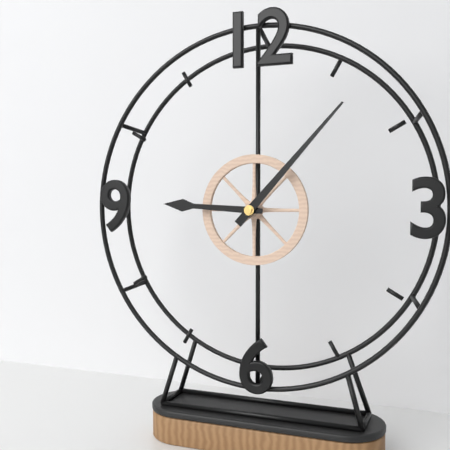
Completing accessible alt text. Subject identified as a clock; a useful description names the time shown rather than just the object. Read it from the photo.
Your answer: 9:07
